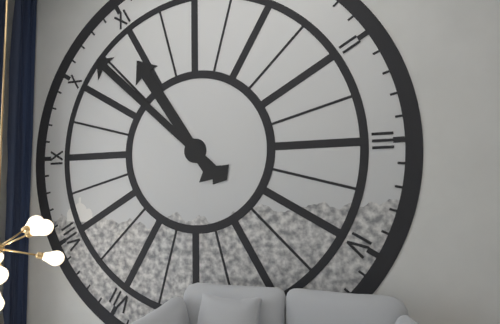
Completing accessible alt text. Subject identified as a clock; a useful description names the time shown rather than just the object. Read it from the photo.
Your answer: 10:52
